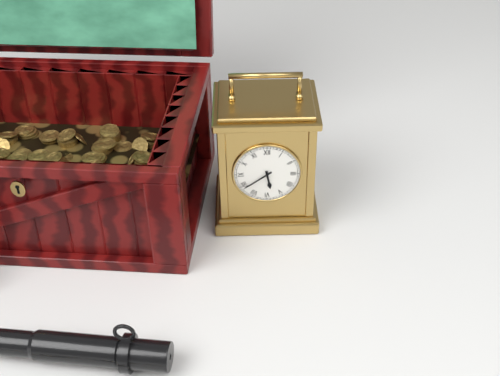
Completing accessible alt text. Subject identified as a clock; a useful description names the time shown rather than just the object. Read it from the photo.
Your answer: 5:39
